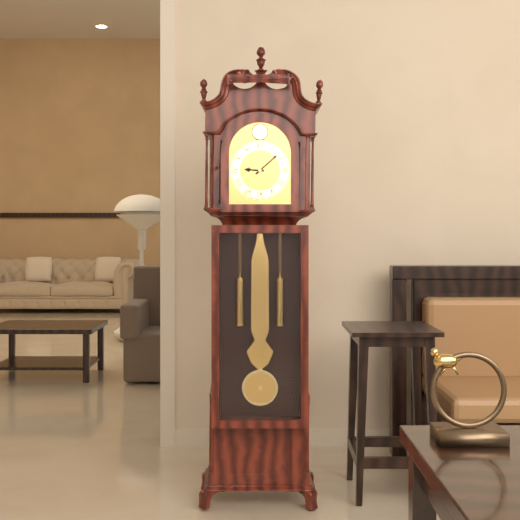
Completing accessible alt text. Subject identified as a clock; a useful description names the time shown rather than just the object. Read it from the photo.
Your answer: 9:08
